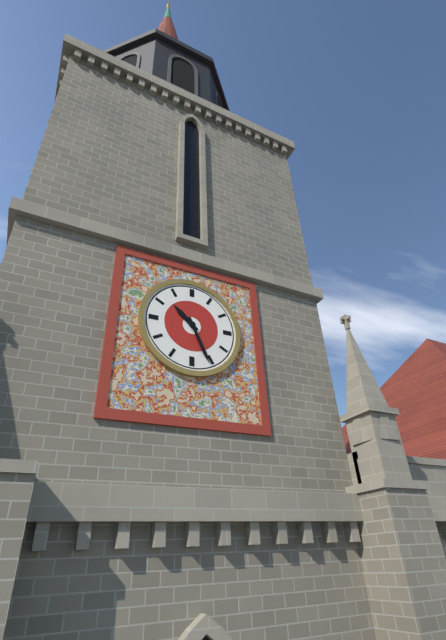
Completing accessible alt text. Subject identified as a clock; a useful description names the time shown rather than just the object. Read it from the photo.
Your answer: 10:26
